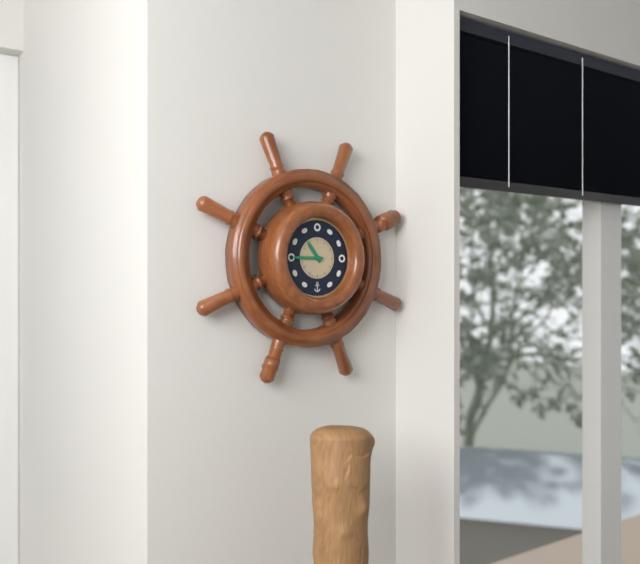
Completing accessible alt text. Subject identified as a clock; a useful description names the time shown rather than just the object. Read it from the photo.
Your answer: 10:45
